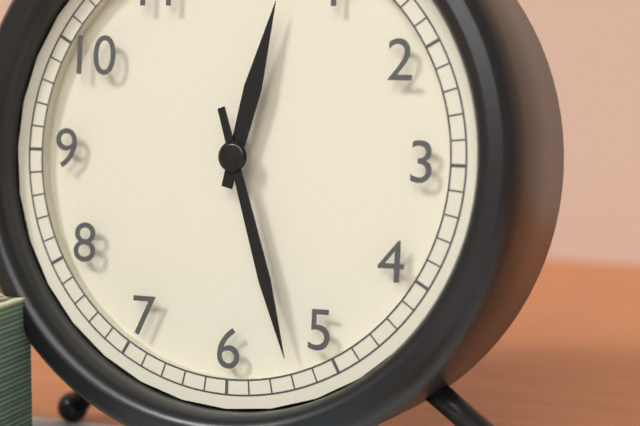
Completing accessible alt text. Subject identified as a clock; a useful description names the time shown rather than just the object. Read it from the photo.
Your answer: 12:27
